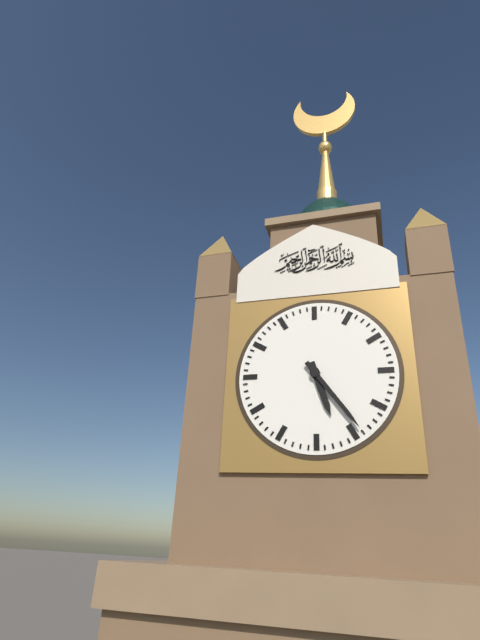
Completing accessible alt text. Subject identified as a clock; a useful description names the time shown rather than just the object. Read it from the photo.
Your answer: 5:24
